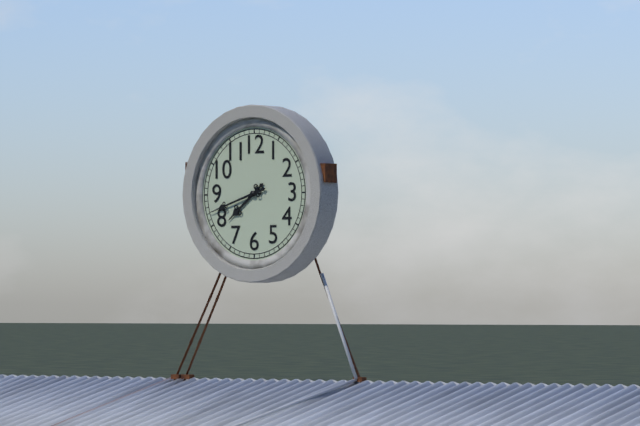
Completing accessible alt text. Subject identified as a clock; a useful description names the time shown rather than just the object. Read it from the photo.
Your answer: 7:42
